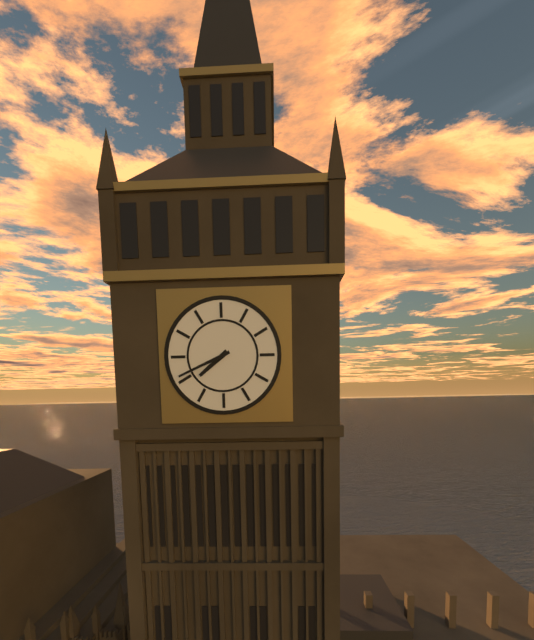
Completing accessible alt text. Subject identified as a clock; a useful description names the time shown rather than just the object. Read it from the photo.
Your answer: 7:41
